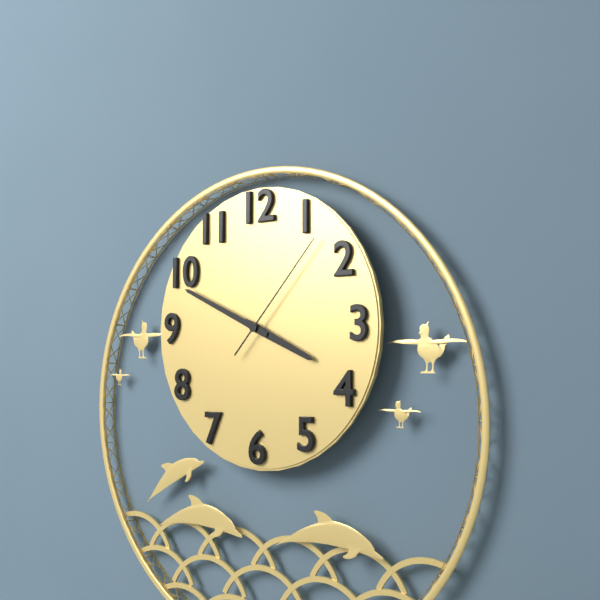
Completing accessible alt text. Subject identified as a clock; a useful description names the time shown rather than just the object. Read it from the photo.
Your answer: 3:49:07
